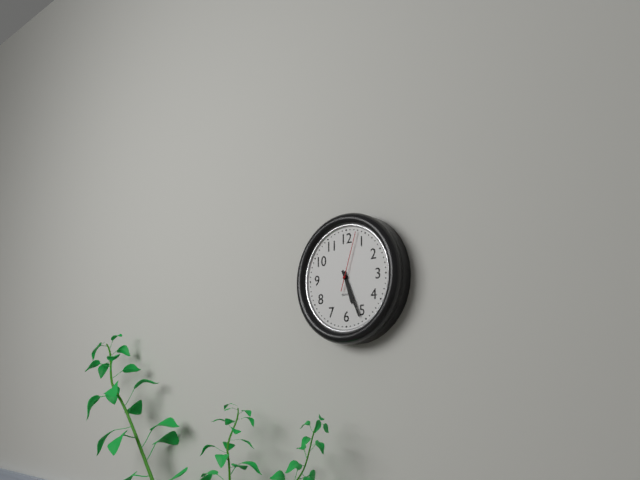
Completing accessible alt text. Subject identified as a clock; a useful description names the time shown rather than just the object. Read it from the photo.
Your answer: 5:26:03
